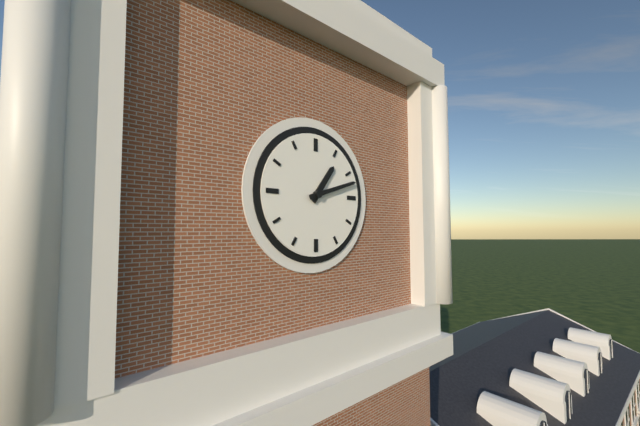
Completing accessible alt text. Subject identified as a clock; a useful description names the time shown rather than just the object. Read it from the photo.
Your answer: 1:12
